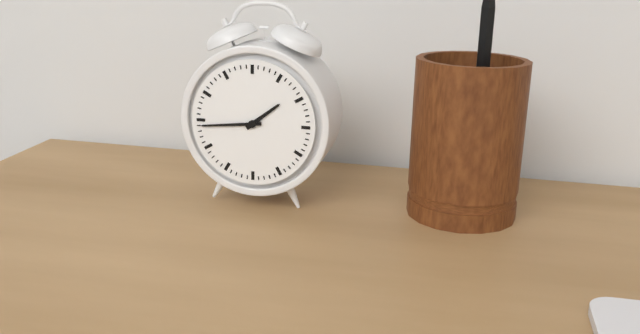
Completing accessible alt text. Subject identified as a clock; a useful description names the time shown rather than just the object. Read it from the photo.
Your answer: 1:44
